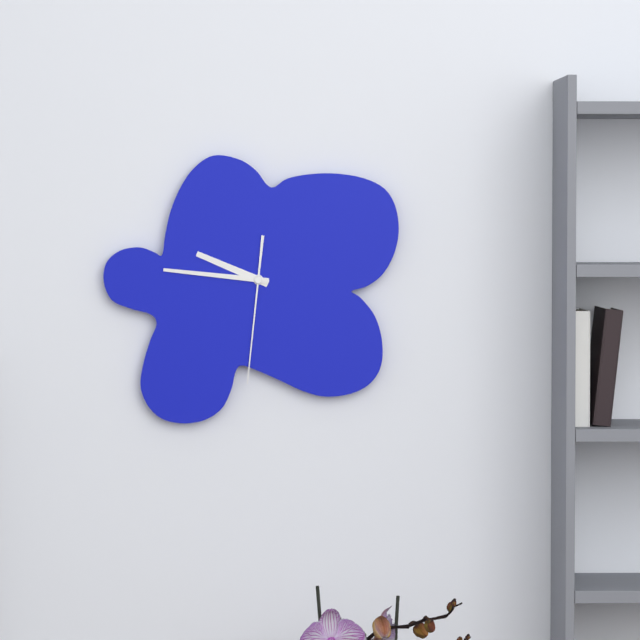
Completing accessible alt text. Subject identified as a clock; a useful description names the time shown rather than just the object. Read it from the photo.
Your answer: 9:46:31
